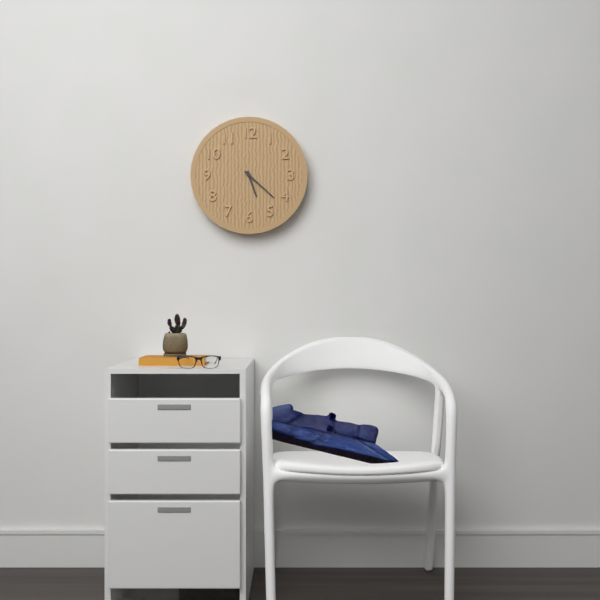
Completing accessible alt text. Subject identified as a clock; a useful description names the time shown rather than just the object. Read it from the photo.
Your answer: 5:22
